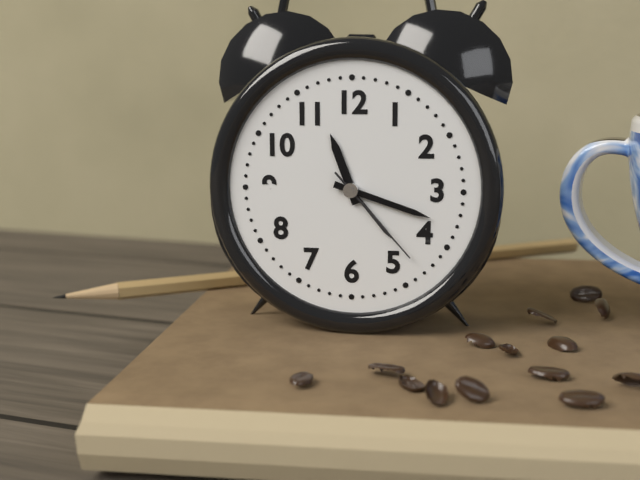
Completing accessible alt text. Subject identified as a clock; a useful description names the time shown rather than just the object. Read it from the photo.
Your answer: 11:18:23
